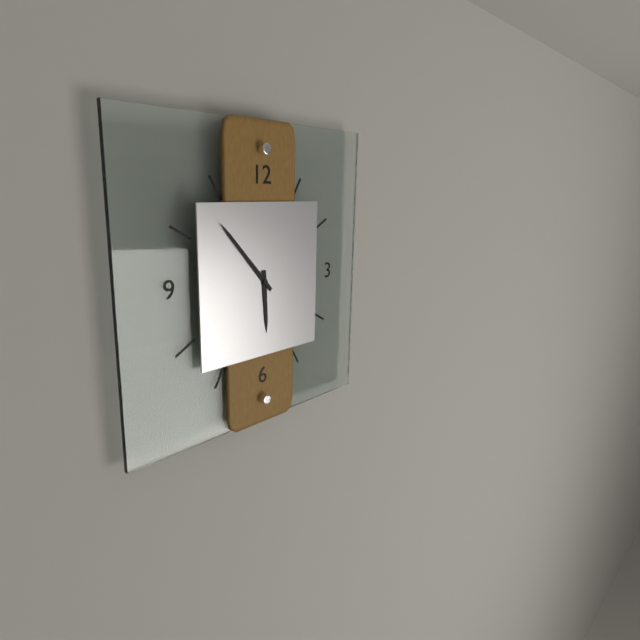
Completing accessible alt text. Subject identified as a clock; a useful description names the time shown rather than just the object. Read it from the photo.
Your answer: 5:53
